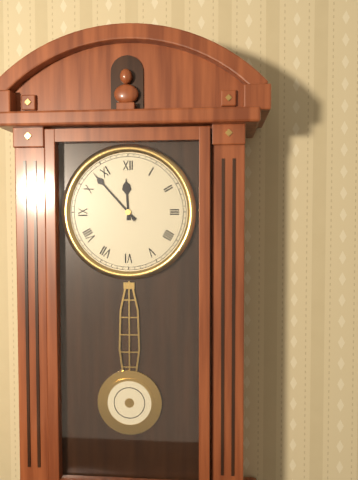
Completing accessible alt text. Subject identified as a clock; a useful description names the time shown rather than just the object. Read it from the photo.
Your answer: 11:53
